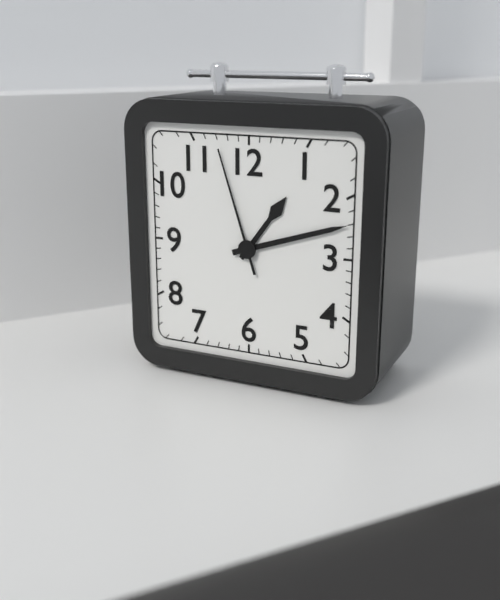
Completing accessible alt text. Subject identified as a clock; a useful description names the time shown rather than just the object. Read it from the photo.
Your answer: 1:12:57
